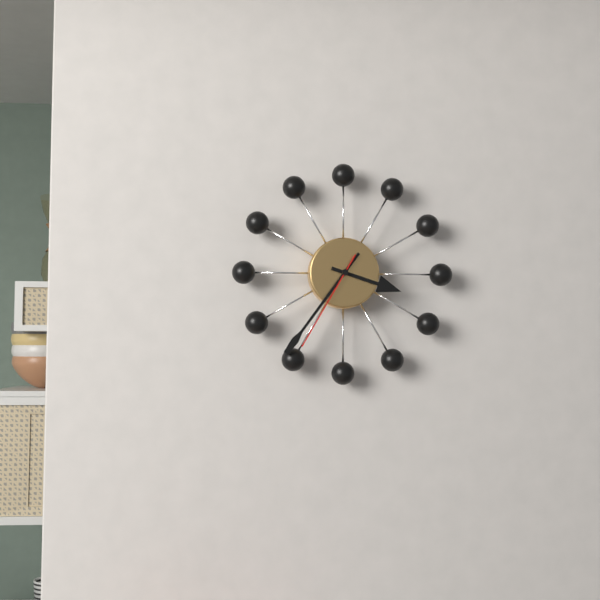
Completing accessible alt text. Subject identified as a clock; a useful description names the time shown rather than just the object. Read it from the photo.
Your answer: 3:36:35
